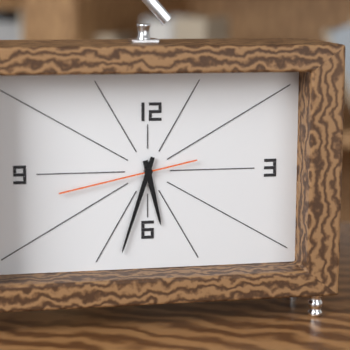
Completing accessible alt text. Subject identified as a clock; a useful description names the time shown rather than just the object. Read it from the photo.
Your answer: 5:33:43
